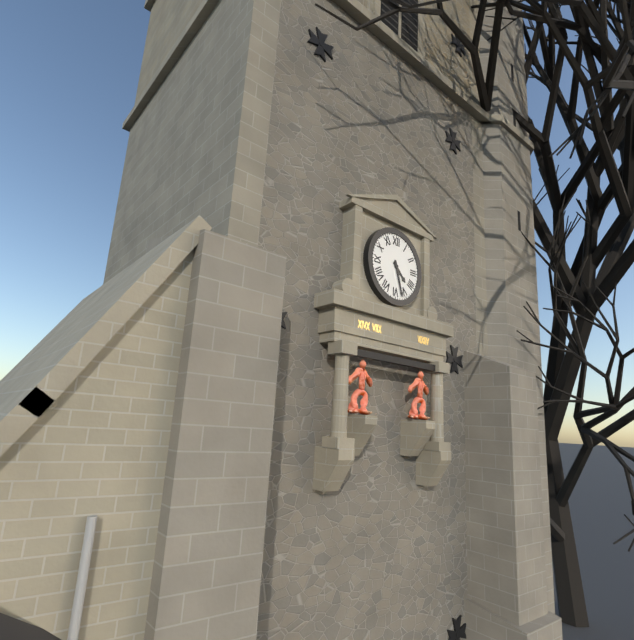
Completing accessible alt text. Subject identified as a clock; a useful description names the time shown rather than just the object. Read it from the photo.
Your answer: 4:27
